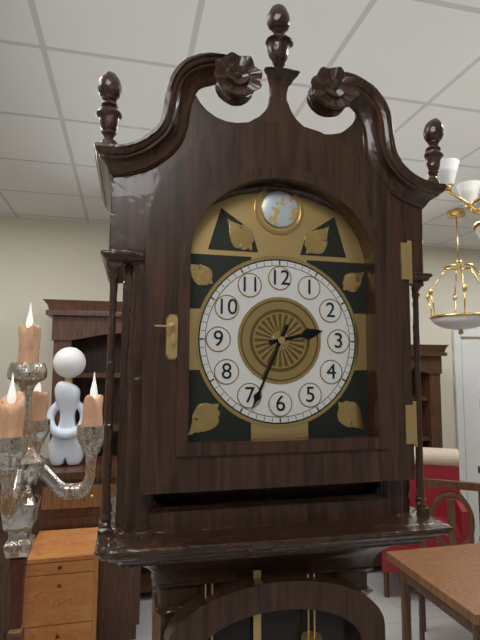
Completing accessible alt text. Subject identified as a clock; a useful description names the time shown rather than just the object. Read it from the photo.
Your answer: 2:34
